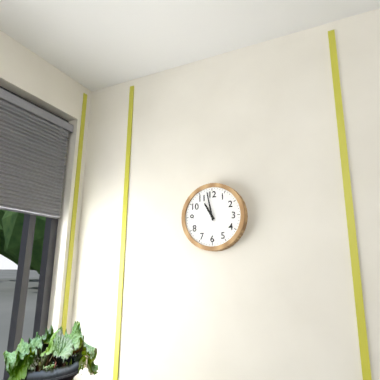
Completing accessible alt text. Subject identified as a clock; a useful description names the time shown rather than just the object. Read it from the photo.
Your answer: 10:58
